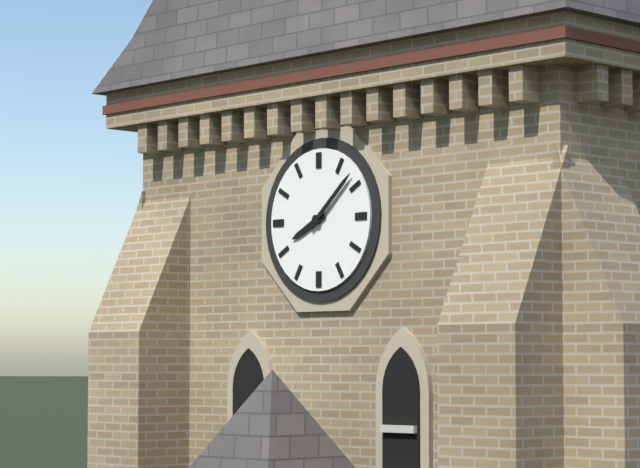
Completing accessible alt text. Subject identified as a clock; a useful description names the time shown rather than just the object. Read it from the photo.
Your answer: 8:08
